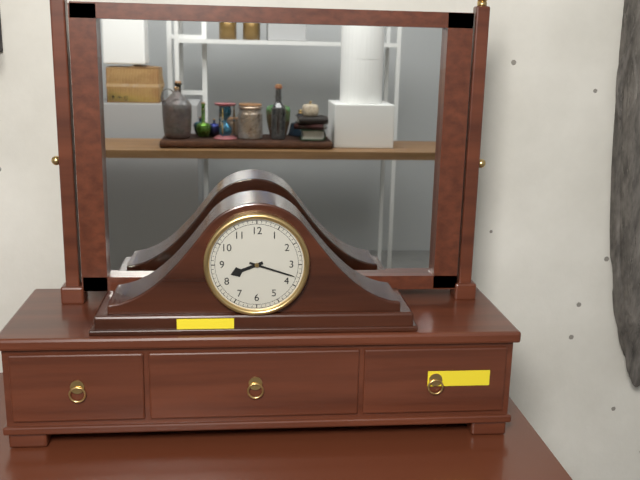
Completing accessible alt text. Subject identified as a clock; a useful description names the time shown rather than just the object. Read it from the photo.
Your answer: 8:18
